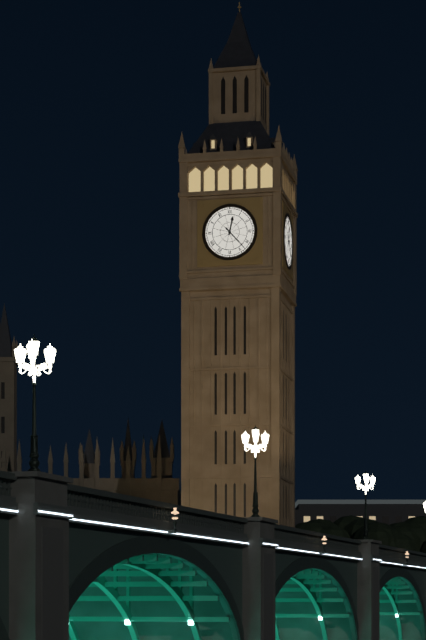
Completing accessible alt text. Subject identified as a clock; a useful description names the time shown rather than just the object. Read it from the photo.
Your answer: 12:23
